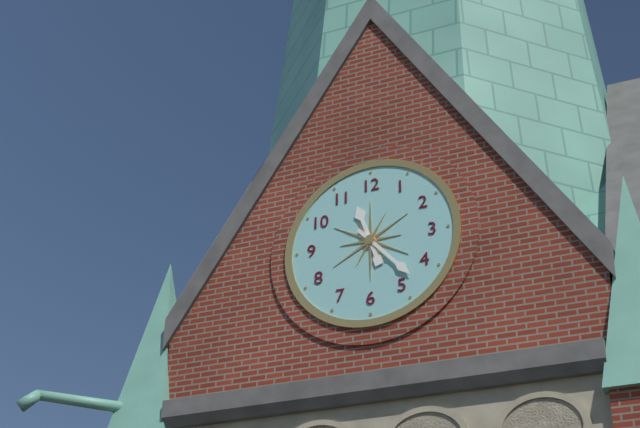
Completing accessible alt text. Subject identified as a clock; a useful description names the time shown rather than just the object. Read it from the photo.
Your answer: 11:23
